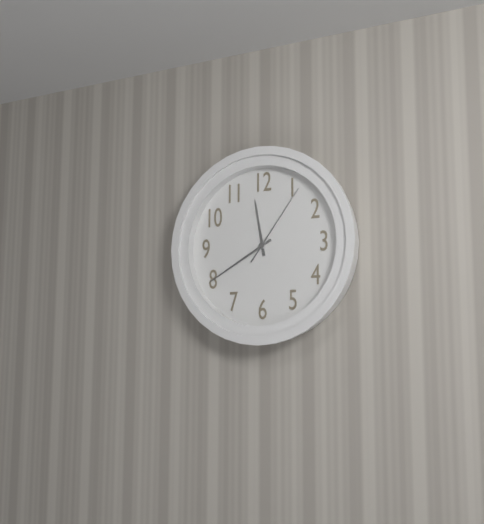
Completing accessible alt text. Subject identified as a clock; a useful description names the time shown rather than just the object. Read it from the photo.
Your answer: 11:40:06
